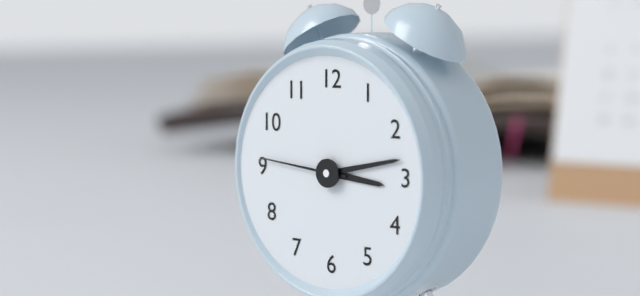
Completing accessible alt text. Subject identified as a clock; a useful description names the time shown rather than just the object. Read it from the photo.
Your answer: 3:13:46
